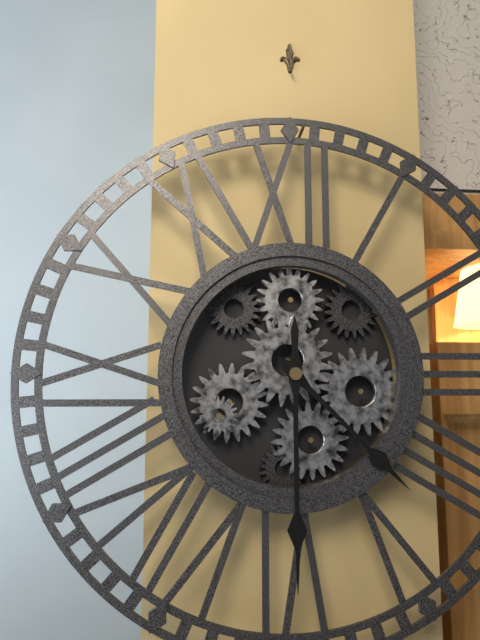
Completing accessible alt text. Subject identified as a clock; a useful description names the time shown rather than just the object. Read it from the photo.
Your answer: 4:30
